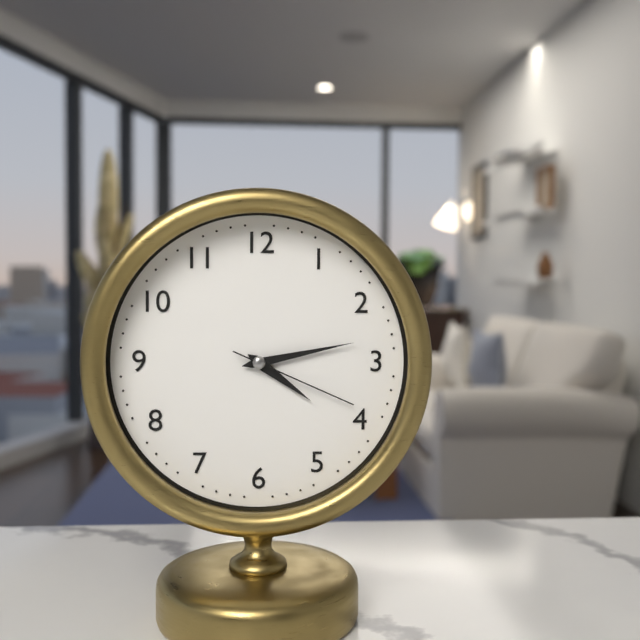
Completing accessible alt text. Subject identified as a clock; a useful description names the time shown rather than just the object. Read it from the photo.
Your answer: 4:13:19
